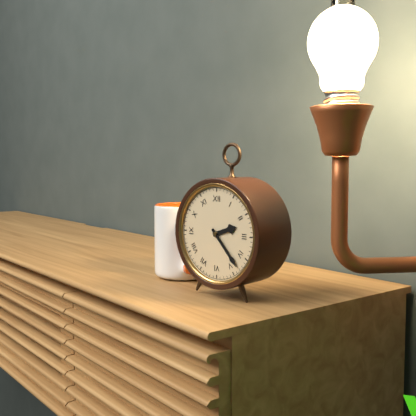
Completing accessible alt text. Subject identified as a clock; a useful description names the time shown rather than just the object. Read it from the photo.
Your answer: 2:23
